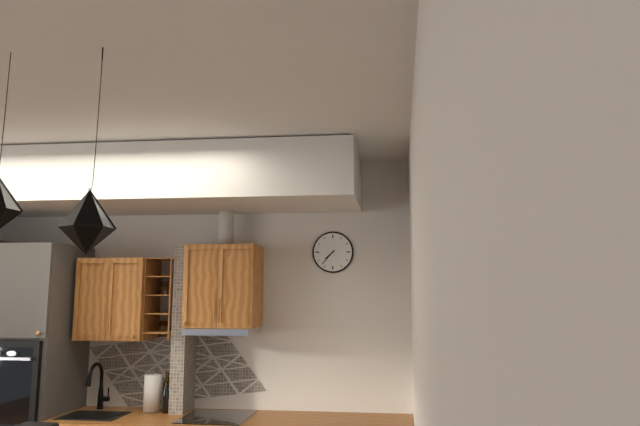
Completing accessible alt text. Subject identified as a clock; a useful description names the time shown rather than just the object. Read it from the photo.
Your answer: 7:37
